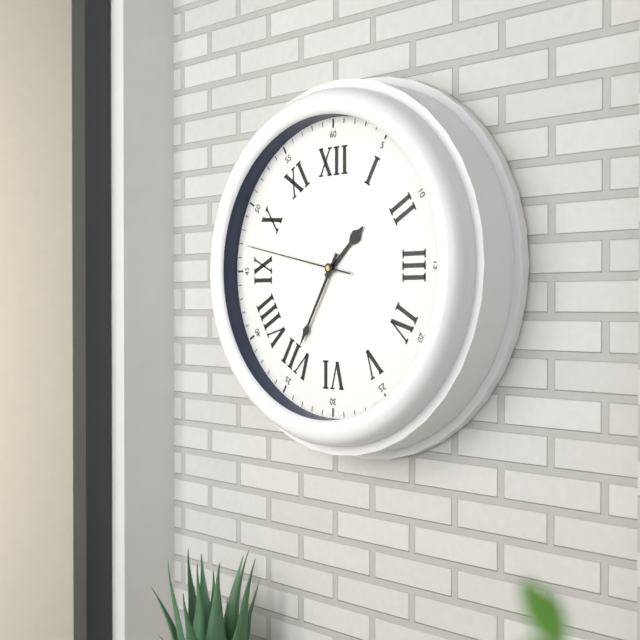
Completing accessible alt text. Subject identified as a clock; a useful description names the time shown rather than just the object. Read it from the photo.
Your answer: 1:35:47
